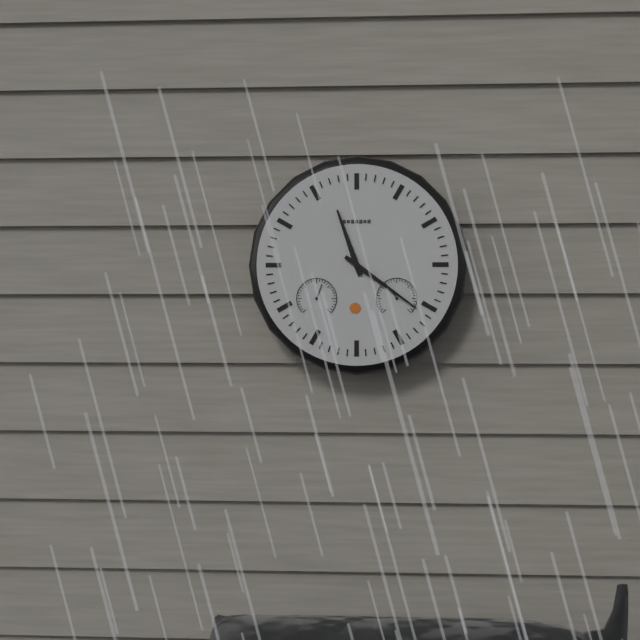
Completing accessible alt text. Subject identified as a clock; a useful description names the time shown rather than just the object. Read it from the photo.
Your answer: 11:21
